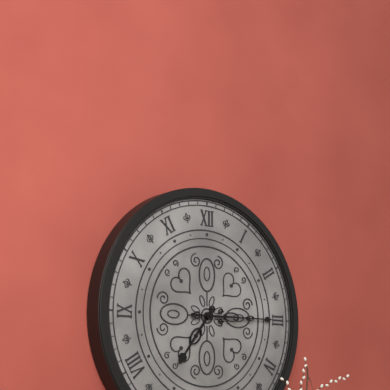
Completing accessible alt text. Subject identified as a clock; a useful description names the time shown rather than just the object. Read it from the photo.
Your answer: 7:15
